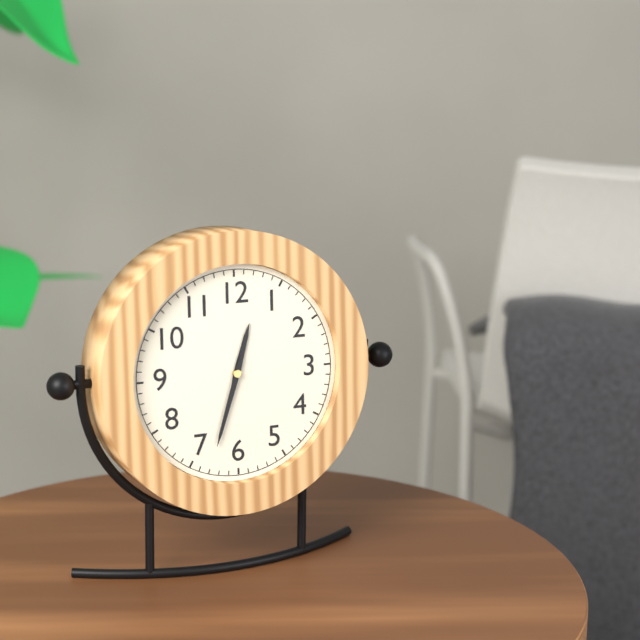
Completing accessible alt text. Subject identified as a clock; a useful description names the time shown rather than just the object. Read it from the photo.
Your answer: 12:33
